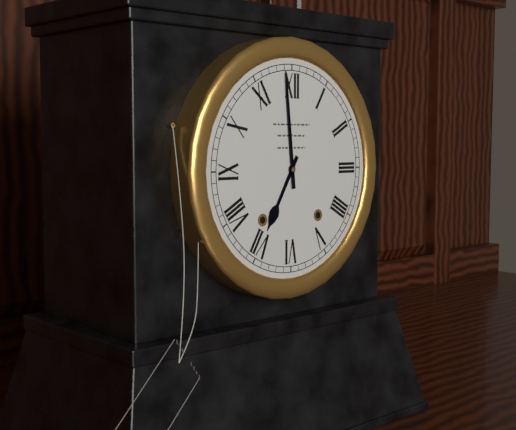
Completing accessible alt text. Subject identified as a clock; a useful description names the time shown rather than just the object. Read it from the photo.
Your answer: 6:59
